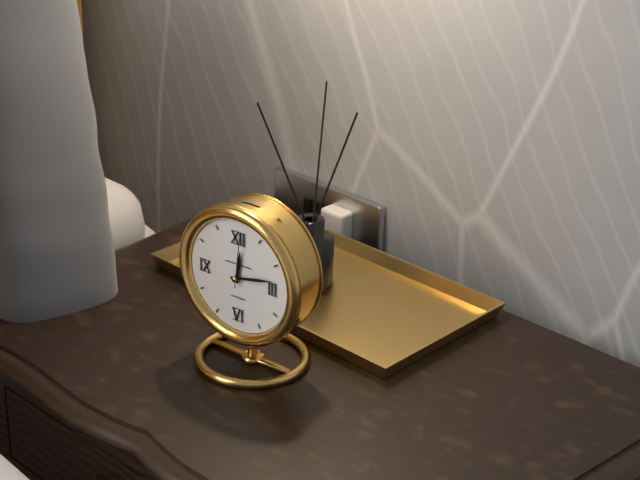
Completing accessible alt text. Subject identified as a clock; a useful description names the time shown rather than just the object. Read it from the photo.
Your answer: 12:13:01
